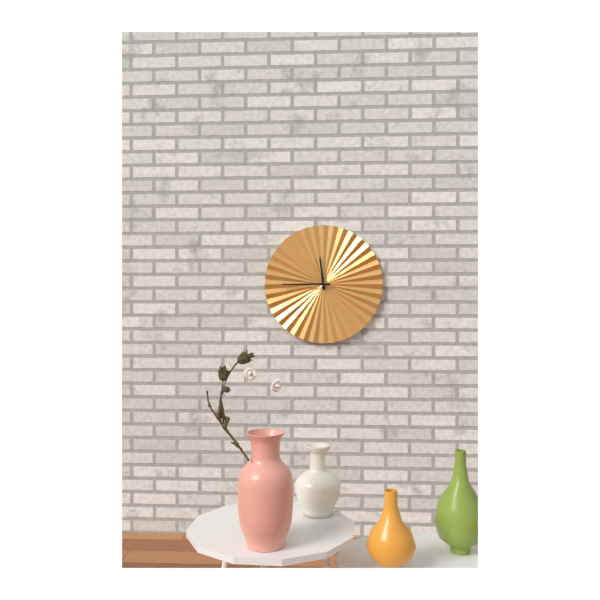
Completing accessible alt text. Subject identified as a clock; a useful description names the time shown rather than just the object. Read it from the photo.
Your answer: 11:45
